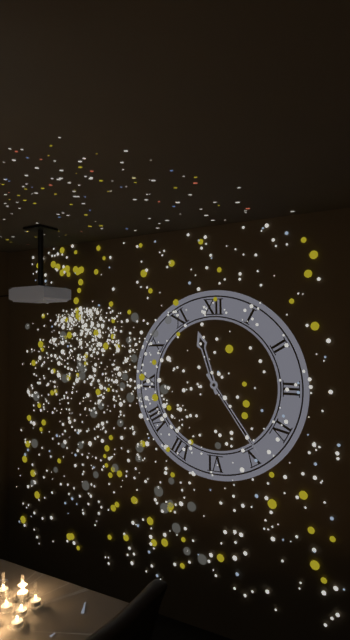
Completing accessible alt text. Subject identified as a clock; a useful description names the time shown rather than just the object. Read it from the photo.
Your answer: 11:24
